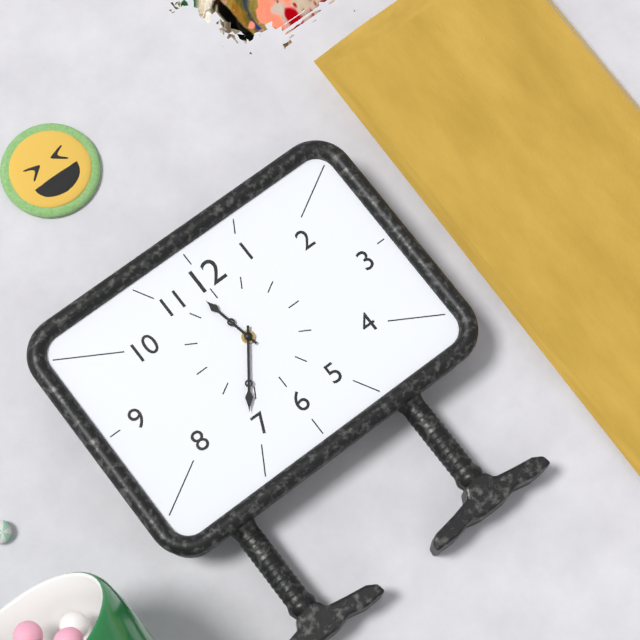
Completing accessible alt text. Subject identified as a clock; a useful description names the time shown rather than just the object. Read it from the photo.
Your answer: 11:36
